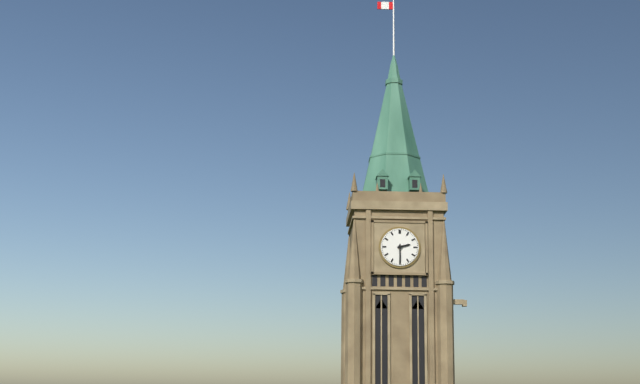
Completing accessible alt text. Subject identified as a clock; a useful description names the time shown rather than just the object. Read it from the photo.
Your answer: 2:30
